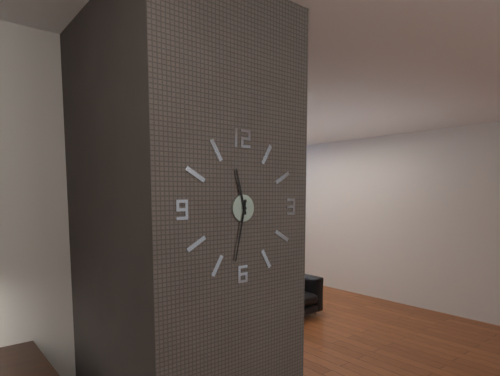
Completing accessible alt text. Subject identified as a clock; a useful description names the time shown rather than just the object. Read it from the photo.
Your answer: 11:32
